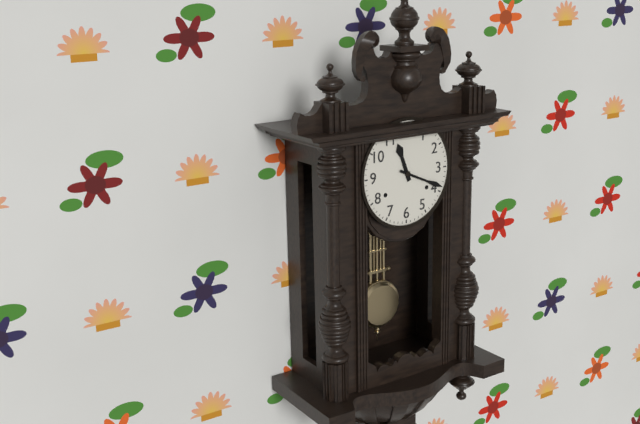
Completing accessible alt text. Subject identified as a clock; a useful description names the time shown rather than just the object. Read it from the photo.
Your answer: 11:19
